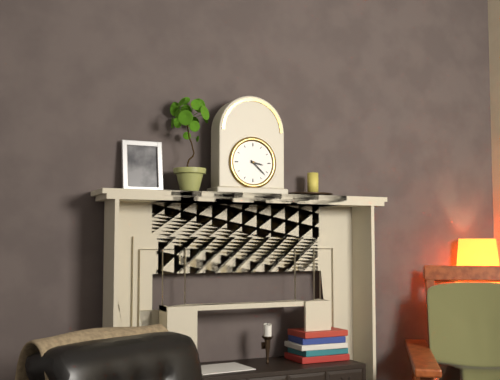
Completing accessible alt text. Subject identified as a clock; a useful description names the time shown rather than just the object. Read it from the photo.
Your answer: 3:22
